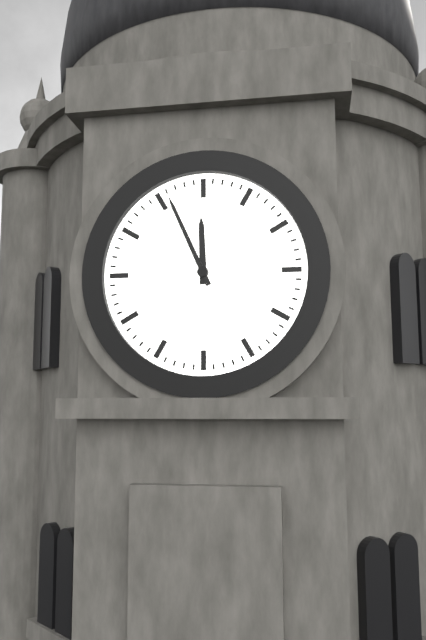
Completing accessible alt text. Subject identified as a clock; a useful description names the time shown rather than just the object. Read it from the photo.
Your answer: 11:56
